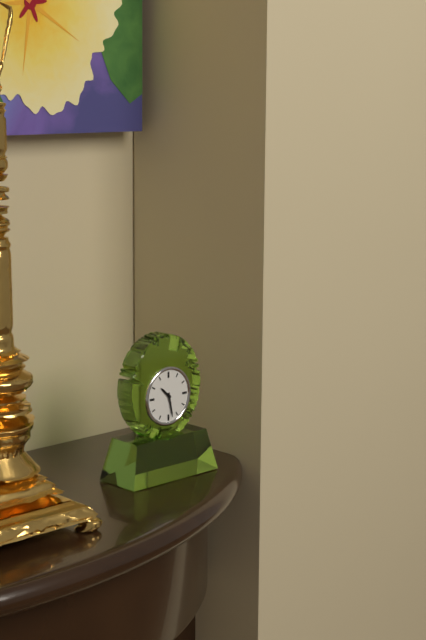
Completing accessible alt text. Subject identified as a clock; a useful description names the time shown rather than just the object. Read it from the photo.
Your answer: 10:28
